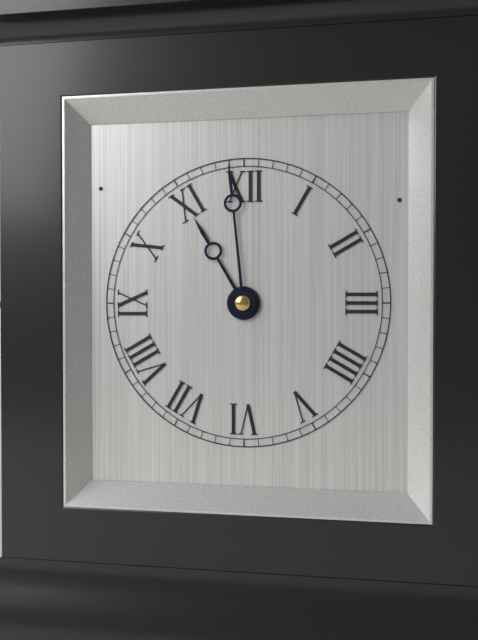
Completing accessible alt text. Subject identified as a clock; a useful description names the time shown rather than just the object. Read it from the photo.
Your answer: 10:59
